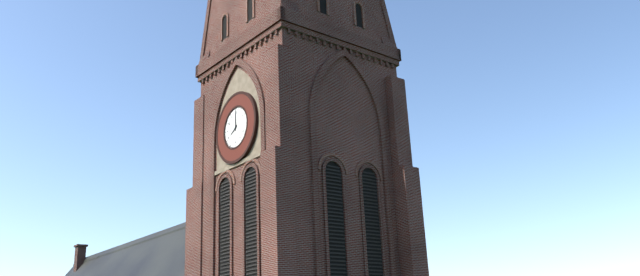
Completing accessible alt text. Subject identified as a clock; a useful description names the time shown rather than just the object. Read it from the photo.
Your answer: 8:00
